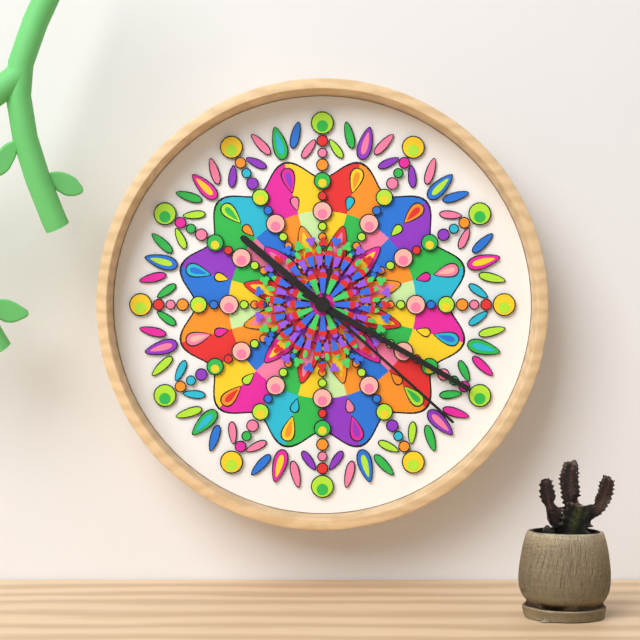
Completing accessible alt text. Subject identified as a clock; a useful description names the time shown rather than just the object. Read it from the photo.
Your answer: 10:20:22
